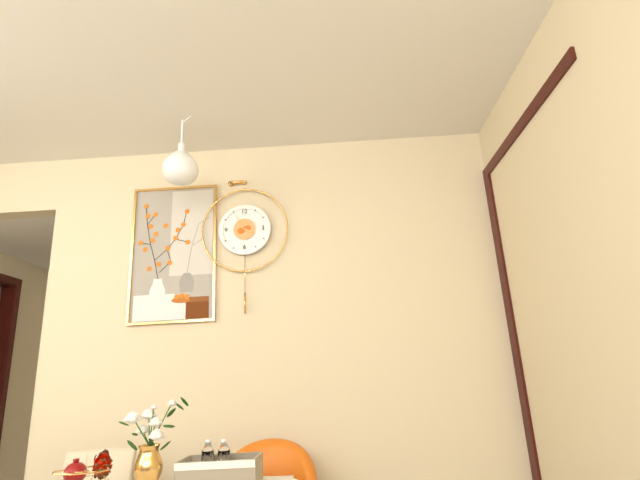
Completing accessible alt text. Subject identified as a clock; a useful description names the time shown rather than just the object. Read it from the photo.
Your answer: 3:55
